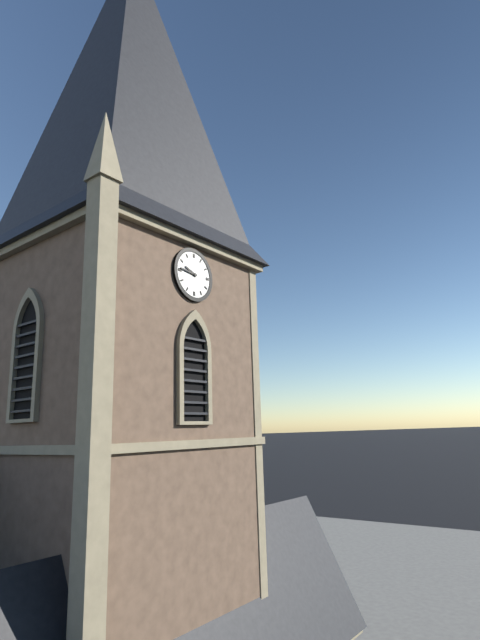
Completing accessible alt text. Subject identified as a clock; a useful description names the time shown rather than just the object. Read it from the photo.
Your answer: 9:46
